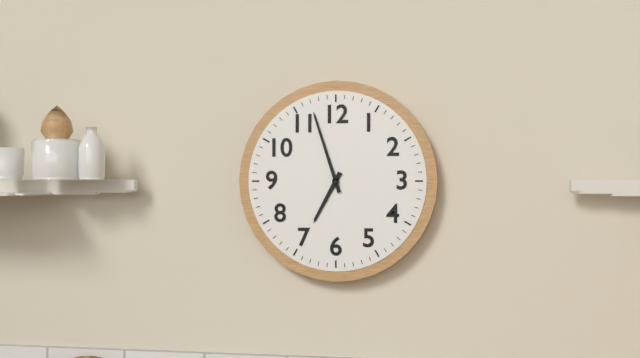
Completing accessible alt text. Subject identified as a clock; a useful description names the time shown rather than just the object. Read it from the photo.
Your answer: 6:57
